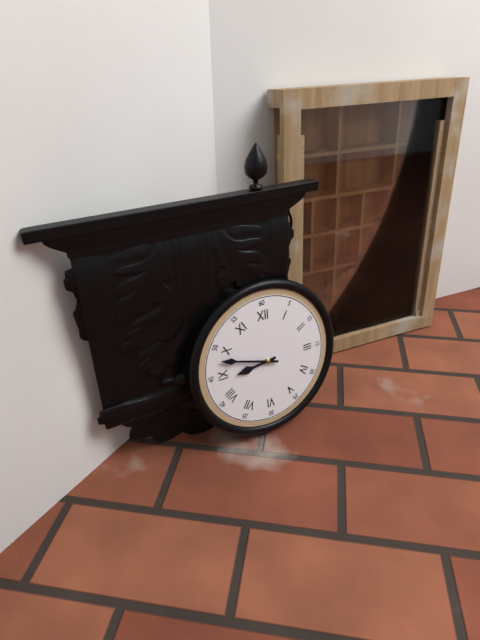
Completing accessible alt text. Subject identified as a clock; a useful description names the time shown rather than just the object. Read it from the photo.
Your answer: 8:48
